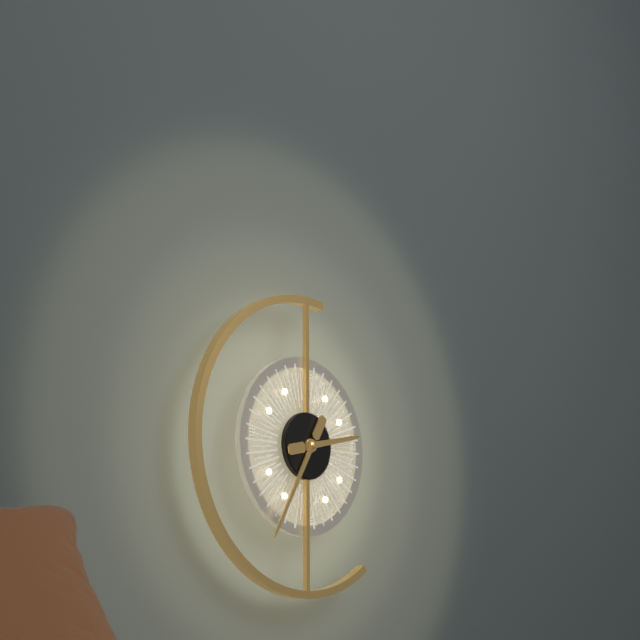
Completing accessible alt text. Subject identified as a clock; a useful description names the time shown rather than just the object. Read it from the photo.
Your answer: 2:35
